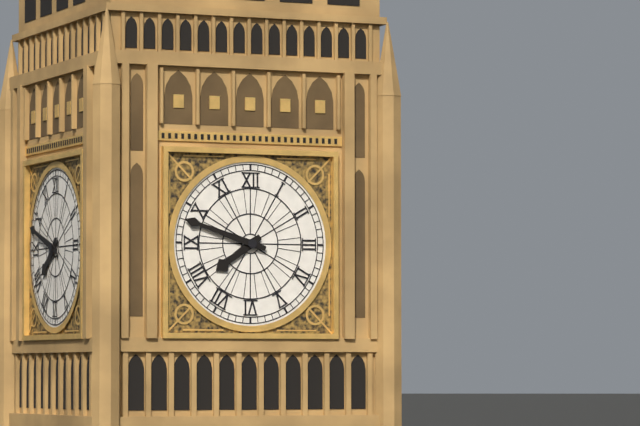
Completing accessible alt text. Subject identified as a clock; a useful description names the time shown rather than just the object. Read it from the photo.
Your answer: 7:48
